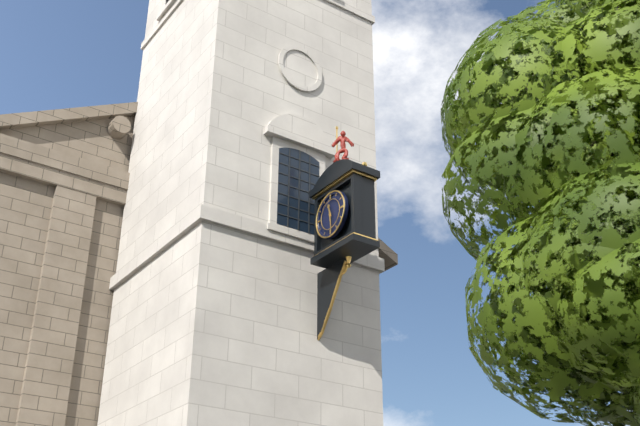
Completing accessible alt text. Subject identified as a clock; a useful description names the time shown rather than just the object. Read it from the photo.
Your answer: 11:29
